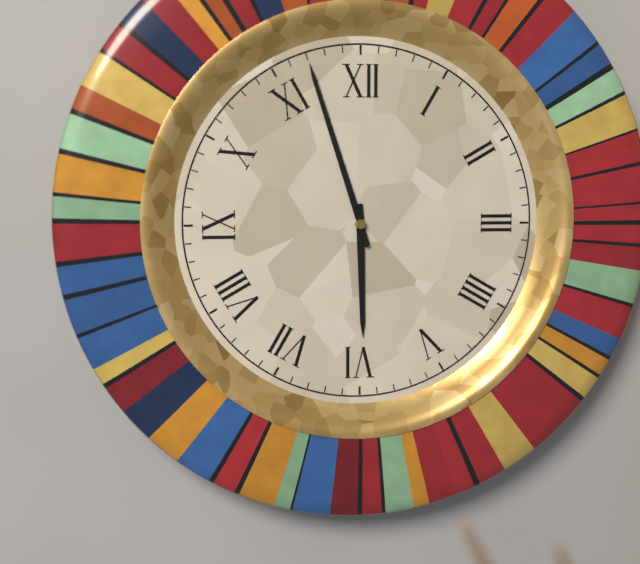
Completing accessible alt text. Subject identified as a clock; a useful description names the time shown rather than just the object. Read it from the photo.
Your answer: 5:57
